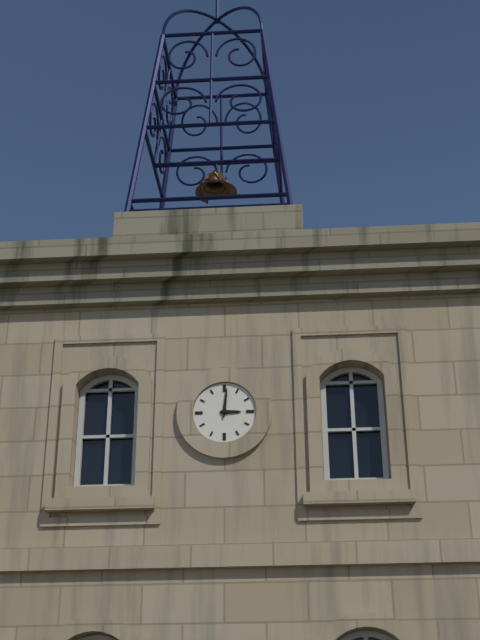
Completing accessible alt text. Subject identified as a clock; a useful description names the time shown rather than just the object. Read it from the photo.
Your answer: 3:01
